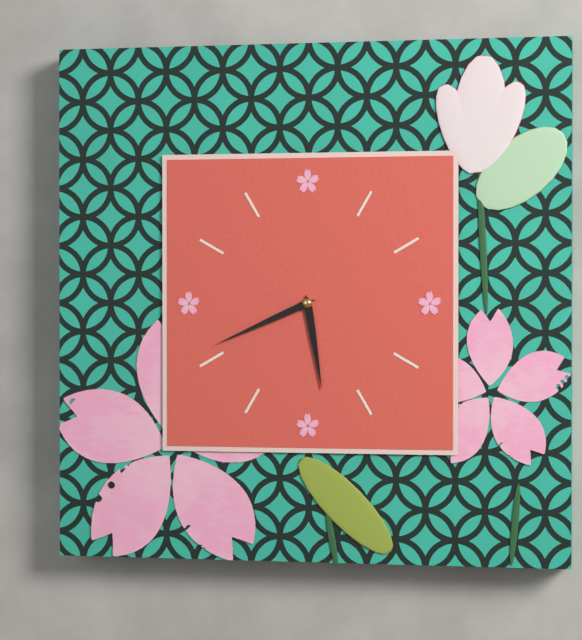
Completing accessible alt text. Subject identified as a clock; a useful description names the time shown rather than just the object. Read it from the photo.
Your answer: 5:41
